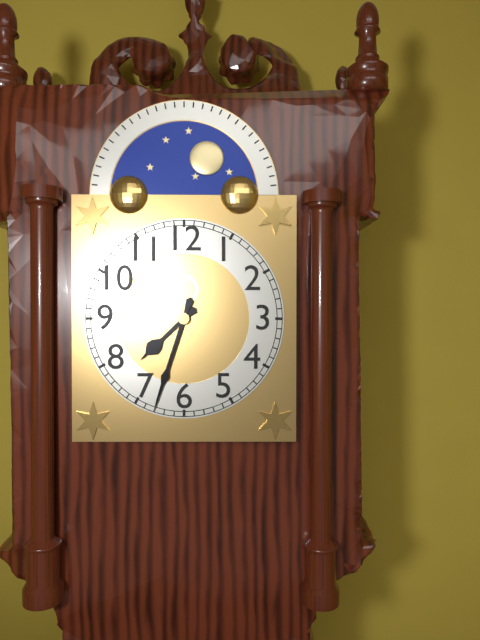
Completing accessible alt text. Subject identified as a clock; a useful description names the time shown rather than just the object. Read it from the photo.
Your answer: 7:33
